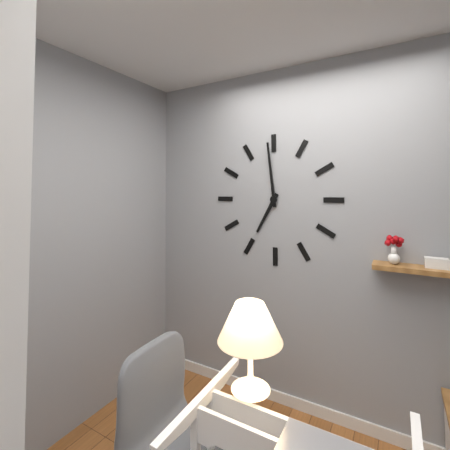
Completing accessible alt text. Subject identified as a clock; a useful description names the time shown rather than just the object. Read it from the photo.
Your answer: 6:59
